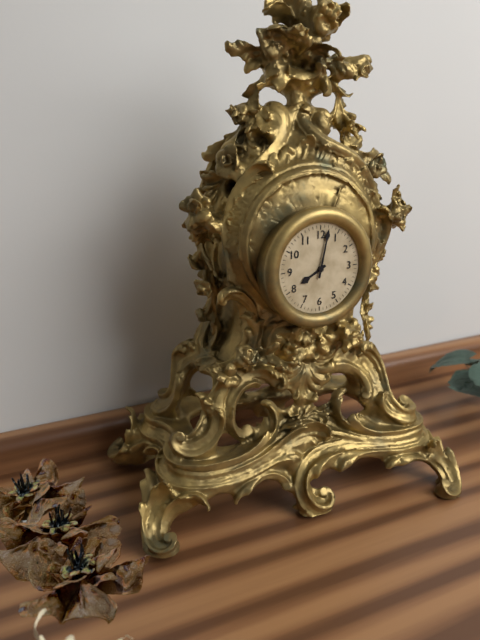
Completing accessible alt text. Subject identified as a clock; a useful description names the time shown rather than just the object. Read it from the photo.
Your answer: 8:02
